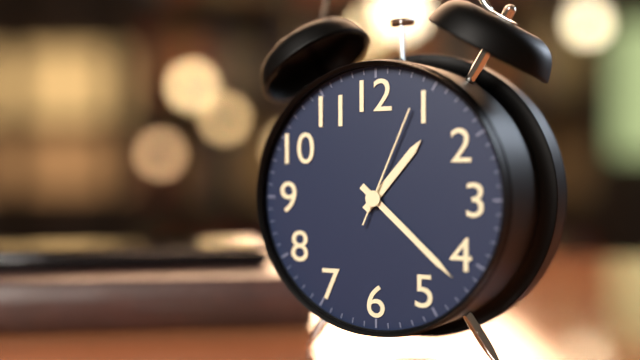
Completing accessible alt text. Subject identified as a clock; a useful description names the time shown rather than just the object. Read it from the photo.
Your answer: 1:22:04
